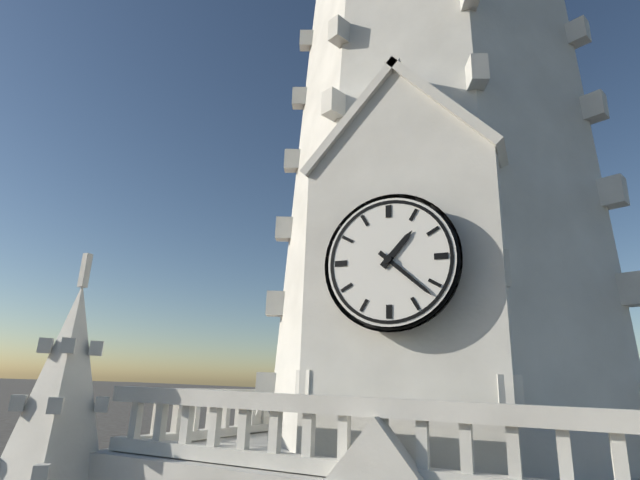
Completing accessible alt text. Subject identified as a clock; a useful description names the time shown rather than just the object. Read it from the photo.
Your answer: 1:22
